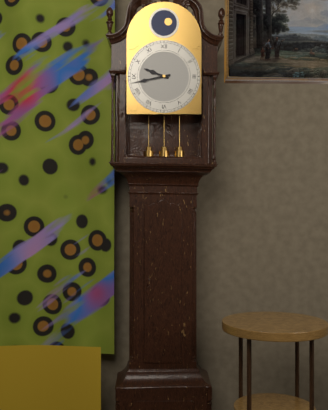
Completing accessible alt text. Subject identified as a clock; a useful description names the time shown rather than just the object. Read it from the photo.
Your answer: 9:43
